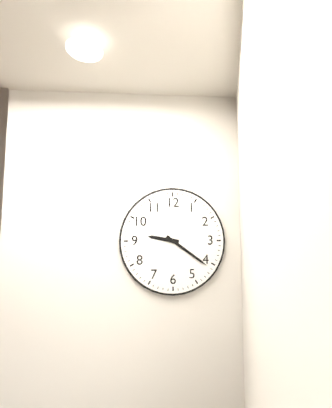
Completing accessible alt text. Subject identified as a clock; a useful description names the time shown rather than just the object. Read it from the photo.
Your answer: 9:21
